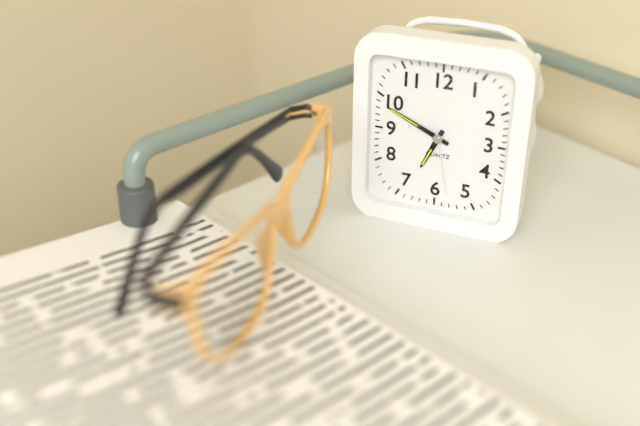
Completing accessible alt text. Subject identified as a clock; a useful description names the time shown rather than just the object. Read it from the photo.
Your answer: 6:49:28
